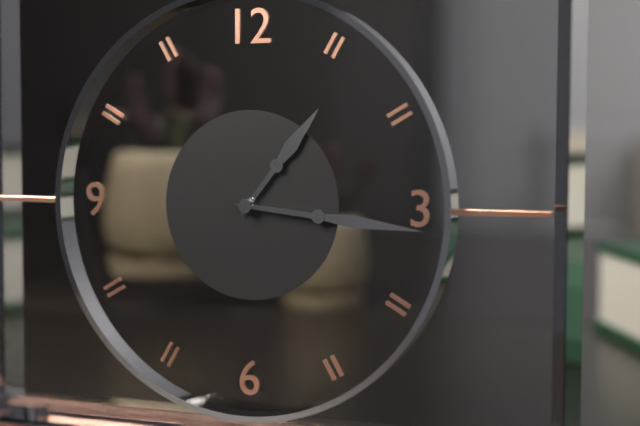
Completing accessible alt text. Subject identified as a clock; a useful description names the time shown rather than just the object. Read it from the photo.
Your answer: 1:16
